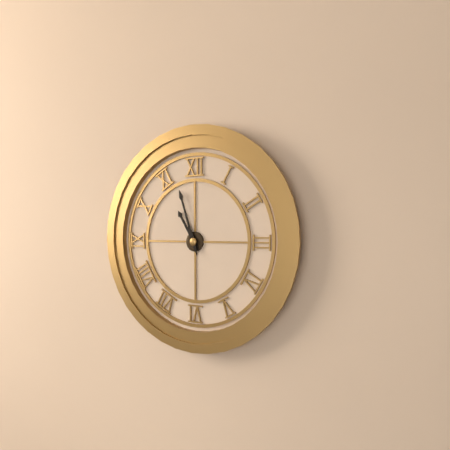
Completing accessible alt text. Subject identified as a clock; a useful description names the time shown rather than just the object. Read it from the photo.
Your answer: 10:57
